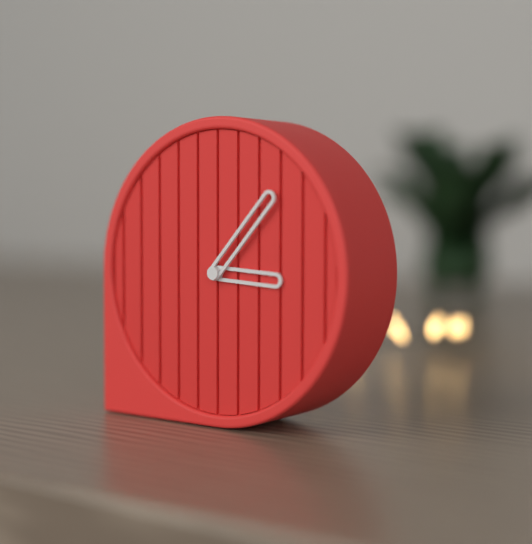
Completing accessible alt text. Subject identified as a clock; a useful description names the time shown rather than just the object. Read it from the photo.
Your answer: 3:07
